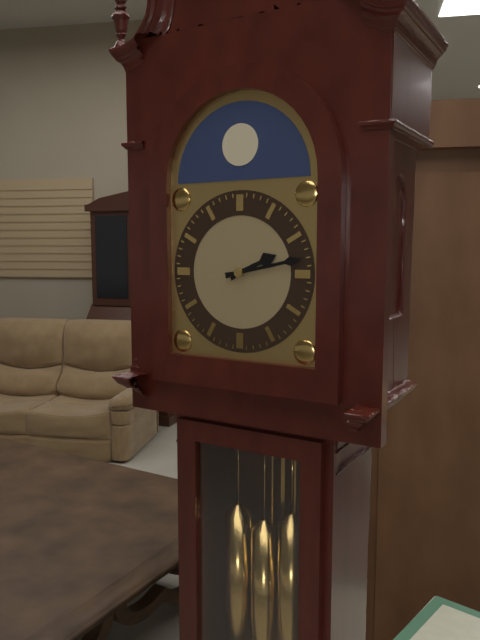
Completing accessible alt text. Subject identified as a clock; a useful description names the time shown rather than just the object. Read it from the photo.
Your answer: 2:13
